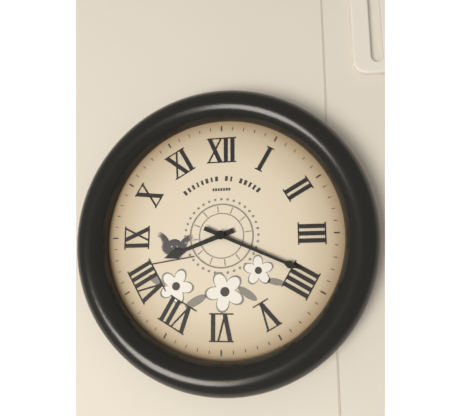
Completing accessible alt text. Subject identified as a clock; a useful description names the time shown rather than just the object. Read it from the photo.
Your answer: 8:19
